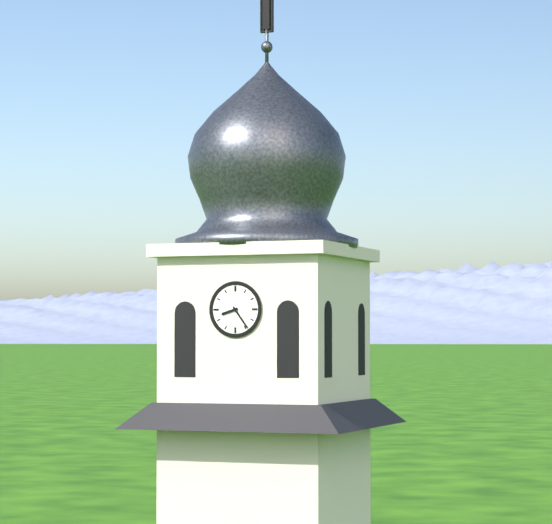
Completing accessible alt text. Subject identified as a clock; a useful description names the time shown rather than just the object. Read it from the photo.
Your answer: 8:24
